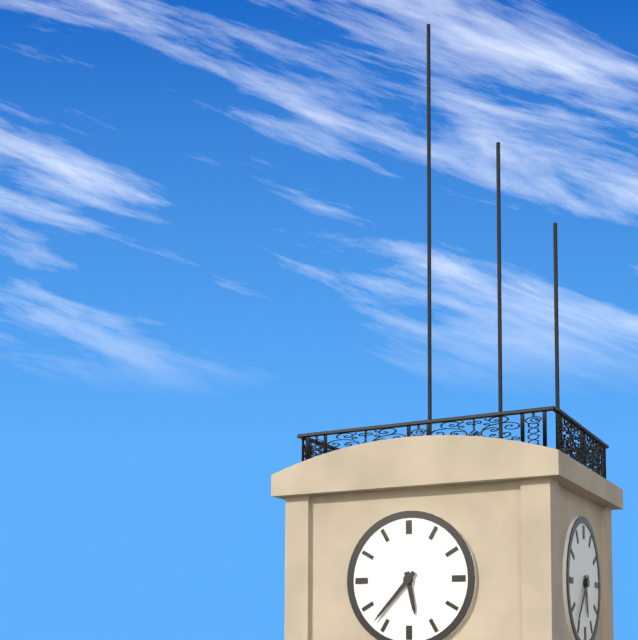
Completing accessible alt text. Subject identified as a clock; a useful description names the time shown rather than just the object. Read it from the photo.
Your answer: 5:37
